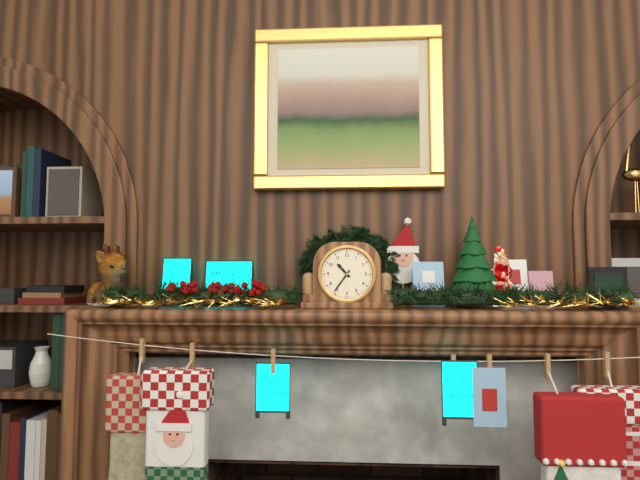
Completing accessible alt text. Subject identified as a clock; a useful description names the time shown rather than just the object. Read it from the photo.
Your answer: 10:36
